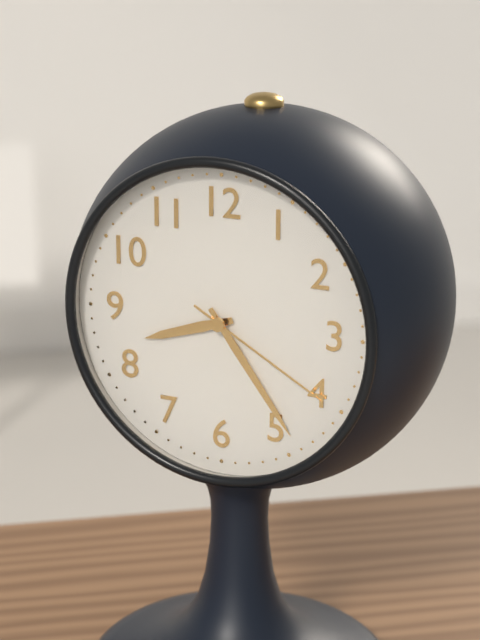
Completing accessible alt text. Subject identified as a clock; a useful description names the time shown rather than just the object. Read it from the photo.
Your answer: 8:24:20
